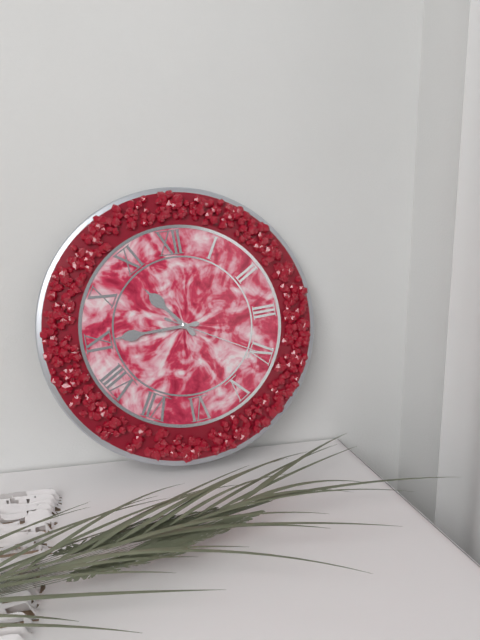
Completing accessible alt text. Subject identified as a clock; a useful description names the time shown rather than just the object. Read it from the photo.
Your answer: 10:45:20
